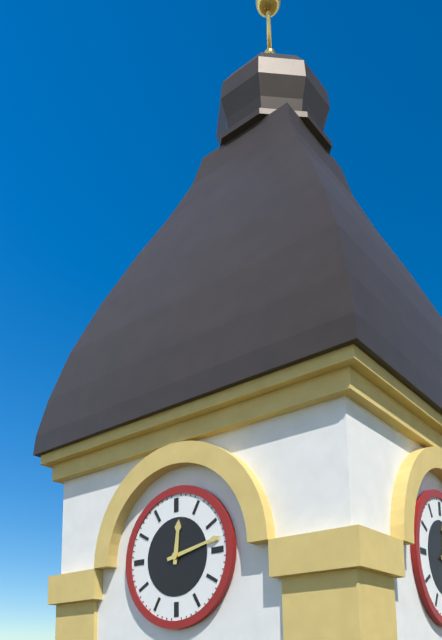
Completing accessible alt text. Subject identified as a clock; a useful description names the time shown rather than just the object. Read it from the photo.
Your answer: 12:13
